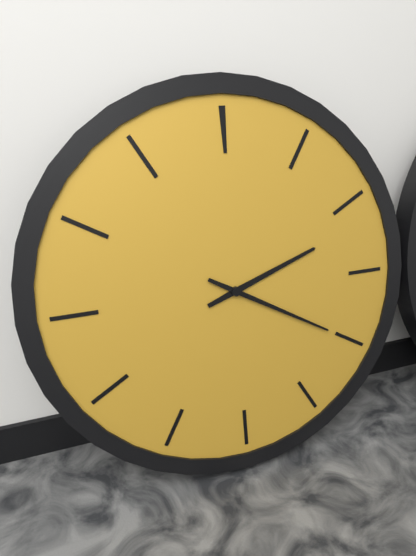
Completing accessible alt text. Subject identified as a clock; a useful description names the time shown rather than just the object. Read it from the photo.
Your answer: 2:20
